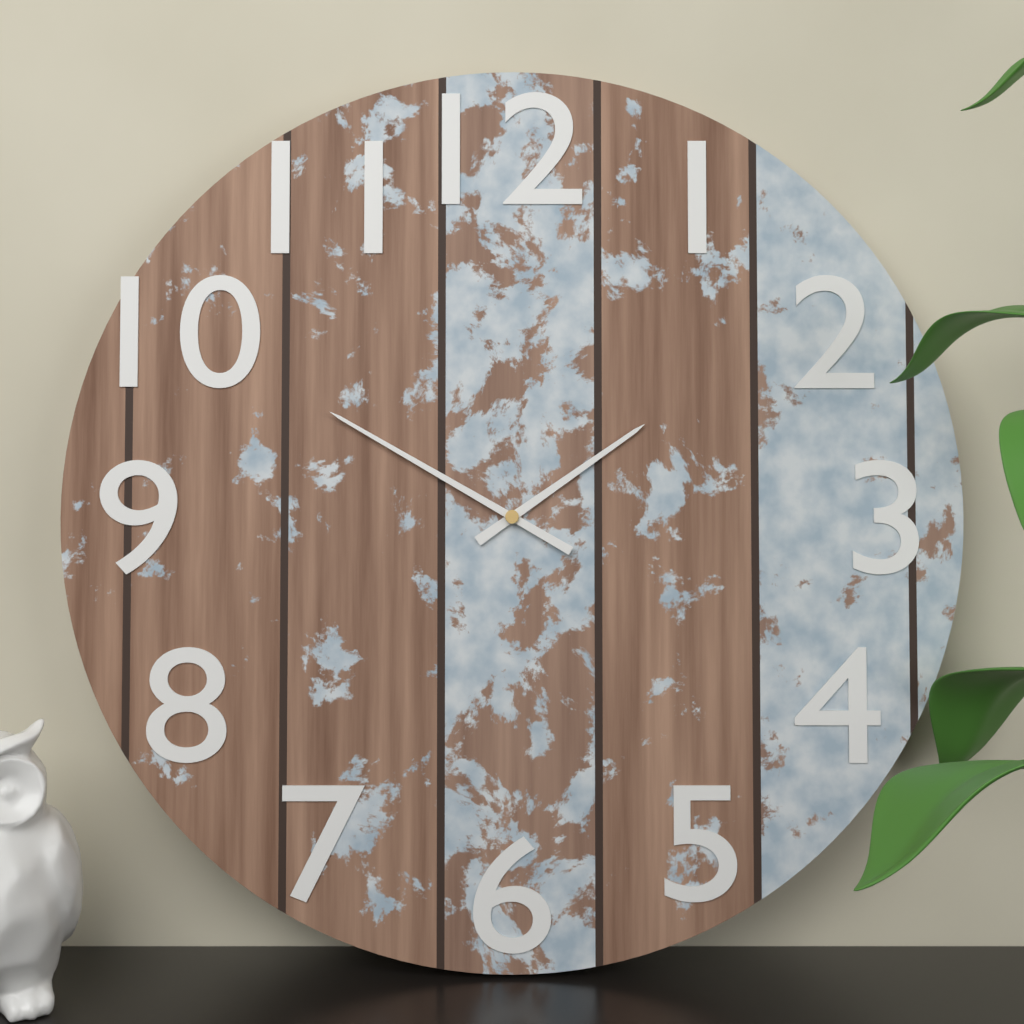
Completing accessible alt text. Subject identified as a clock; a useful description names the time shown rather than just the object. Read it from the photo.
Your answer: 1:50
